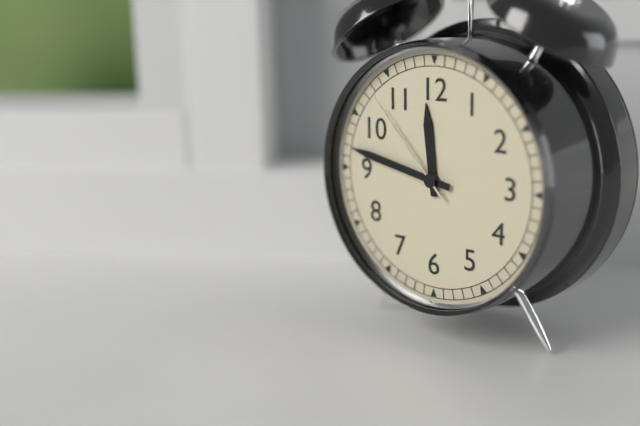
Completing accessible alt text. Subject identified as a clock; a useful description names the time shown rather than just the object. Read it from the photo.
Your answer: 11:47:53
